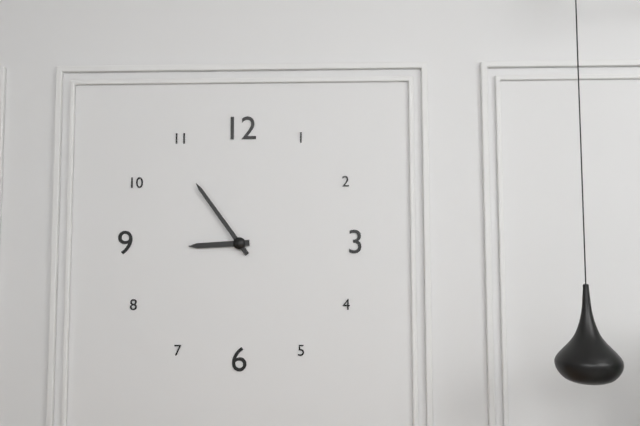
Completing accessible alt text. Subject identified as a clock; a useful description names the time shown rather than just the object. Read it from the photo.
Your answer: 8:54
